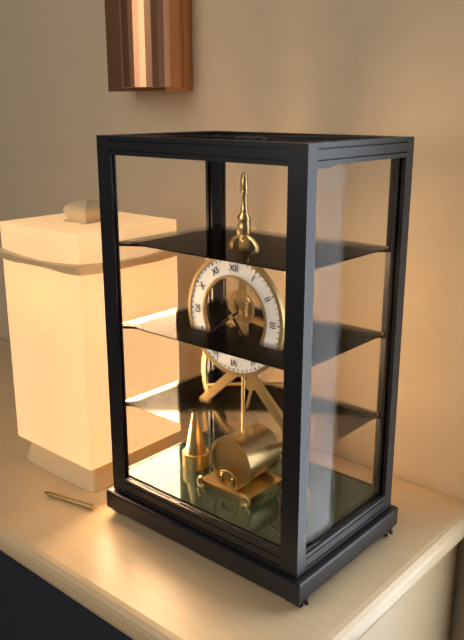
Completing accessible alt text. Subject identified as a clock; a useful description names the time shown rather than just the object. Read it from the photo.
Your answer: 4:39
